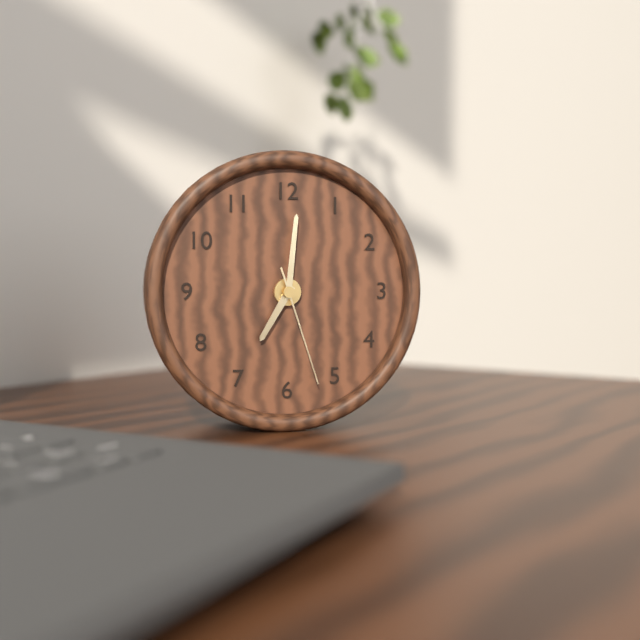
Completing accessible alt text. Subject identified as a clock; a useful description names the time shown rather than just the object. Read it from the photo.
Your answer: 7:01:27
